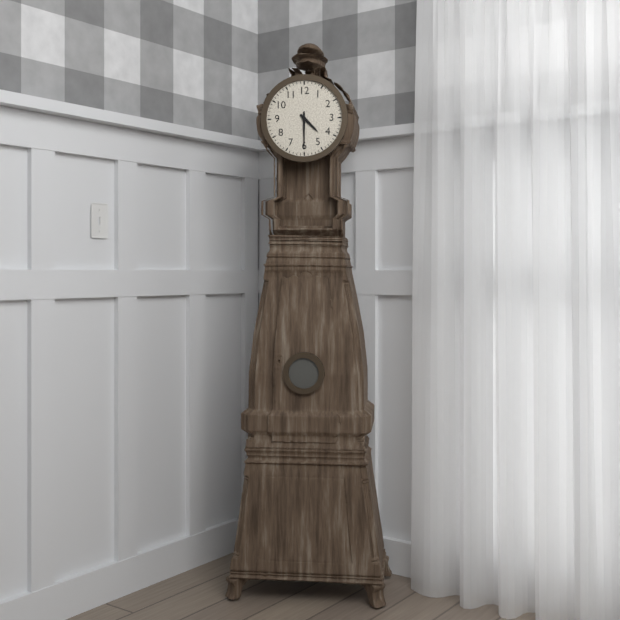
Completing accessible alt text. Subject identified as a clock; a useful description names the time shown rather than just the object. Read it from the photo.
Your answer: 4:30
